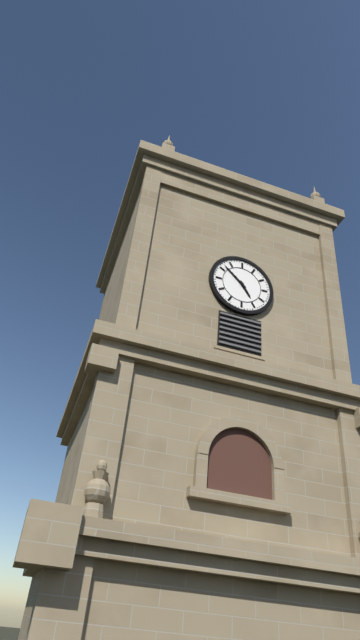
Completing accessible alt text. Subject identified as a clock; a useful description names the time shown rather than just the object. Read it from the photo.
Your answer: 4:52
